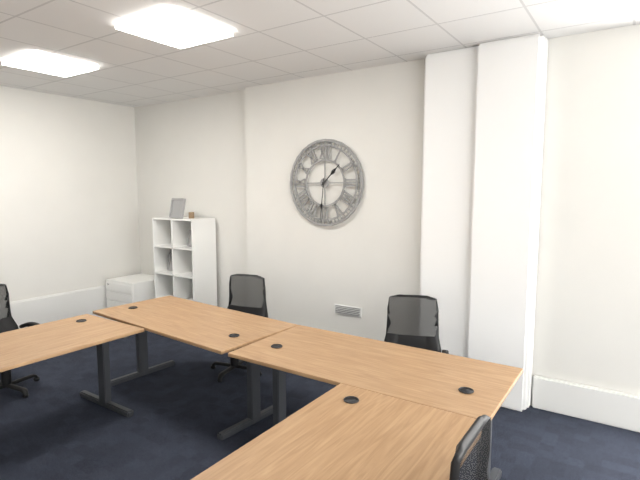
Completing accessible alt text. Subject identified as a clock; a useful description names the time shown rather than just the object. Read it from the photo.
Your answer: 1:31
